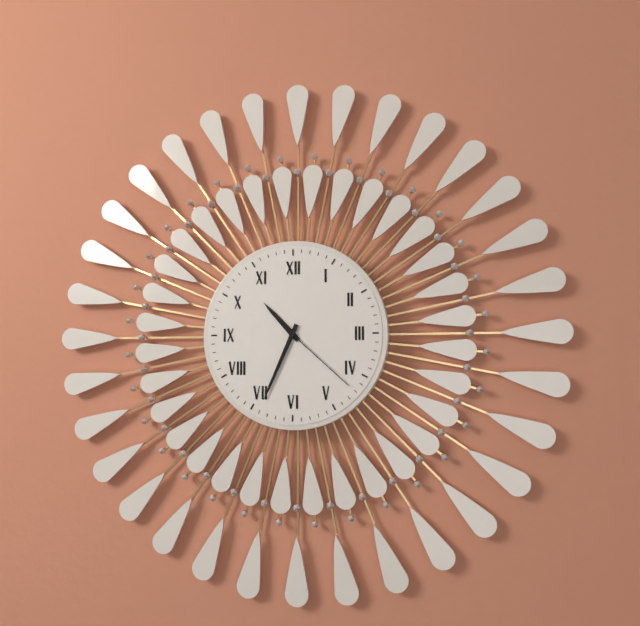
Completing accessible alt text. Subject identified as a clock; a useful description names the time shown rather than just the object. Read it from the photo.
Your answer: 10:34:22
